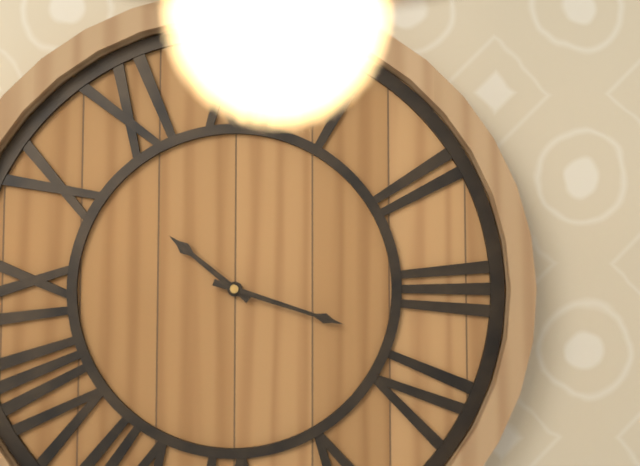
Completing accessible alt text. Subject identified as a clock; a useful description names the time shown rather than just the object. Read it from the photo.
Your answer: 10:18
